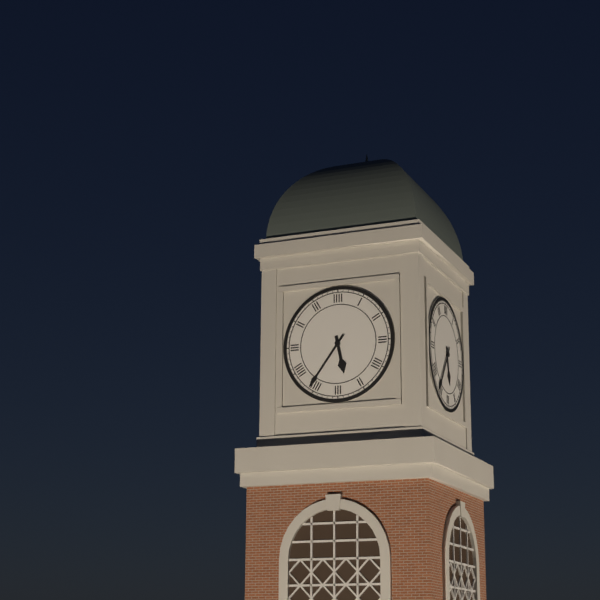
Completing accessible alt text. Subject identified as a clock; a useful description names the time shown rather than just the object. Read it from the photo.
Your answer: 5:36
